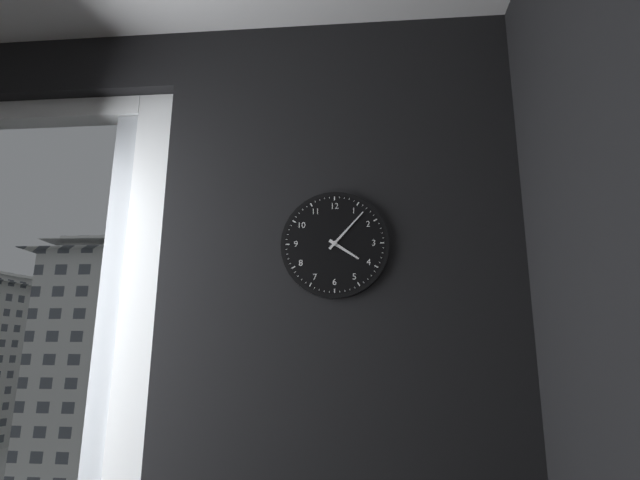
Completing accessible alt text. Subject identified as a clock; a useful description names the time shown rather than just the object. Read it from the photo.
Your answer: 4:07
